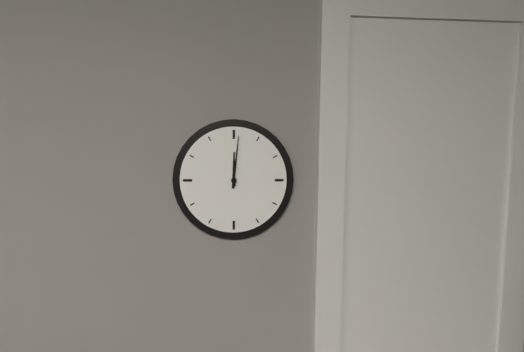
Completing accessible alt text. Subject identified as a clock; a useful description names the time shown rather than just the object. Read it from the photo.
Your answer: 12:01
